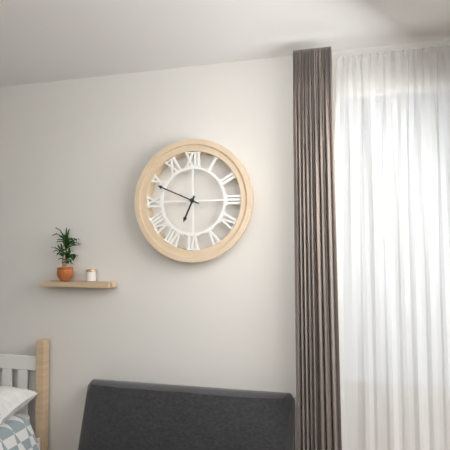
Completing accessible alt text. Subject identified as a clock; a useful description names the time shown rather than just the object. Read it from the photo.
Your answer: 6:49
